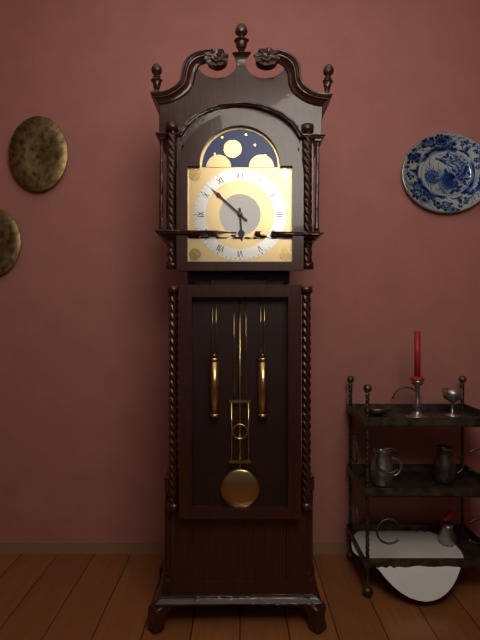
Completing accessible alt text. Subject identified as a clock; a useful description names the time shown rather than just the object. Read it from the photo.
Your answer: 5:52
